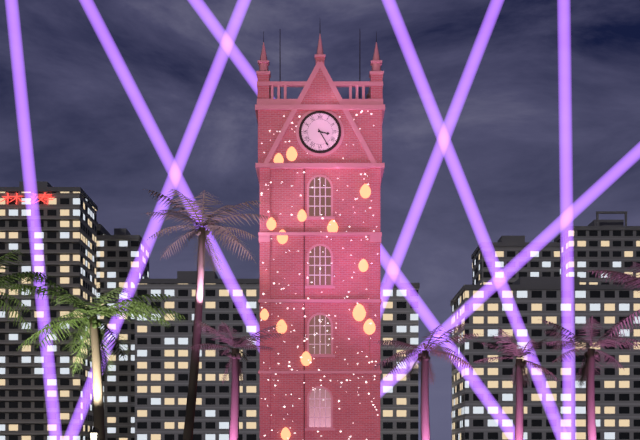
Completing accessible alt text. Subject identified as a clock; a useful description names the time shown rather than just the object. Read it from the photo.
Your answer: 3:25
